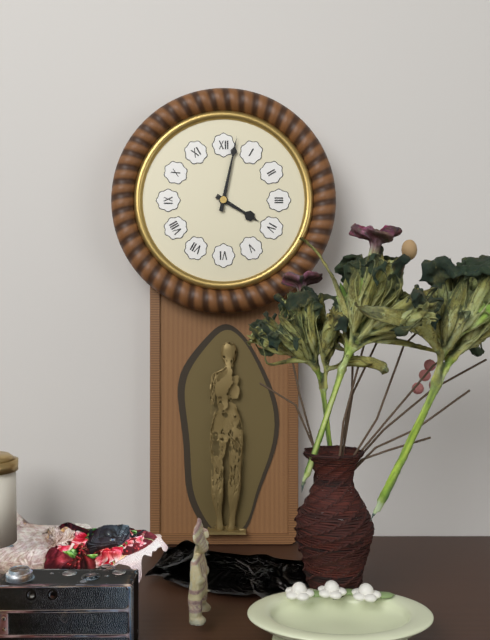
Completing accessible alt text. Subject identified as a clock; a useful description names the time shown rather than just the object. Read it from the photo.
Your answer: 4:02
